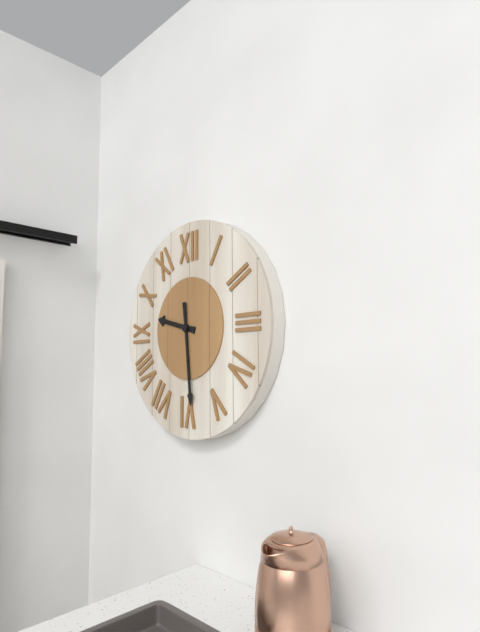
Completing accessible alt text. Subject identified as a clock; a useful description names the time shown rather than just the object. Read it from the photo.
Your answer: 9:29
